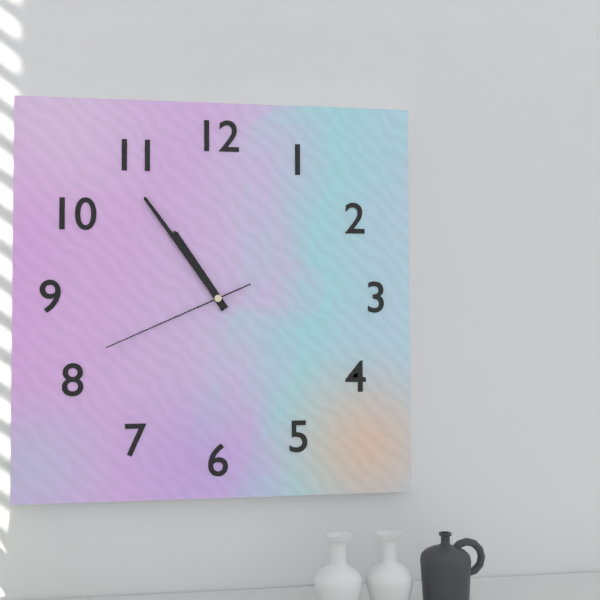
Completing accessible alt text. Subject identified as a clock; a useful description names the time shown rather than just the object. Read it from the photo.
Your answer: 10:54:41
